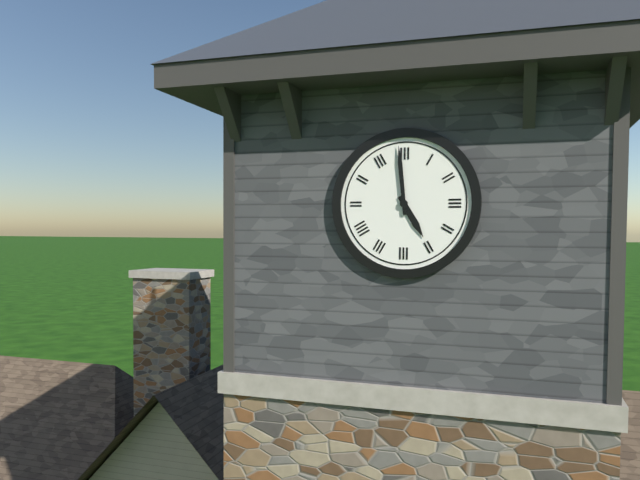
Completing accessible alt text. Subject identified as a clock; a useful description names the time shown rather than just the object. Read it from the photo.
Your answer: 4:59
